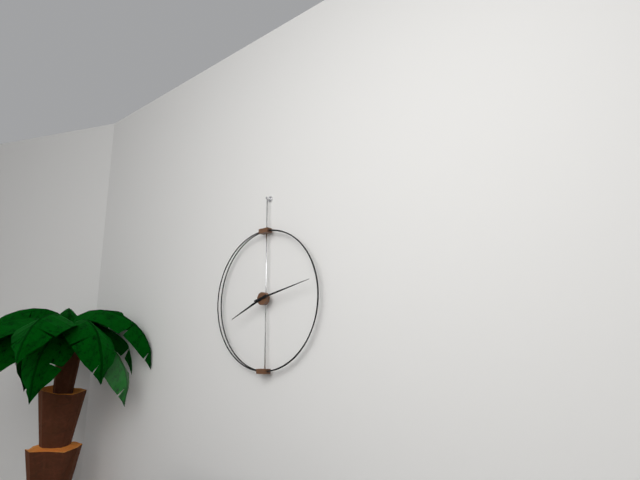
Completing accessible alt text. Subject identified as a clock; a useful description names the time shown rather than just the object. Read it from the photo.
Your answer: 8:13
